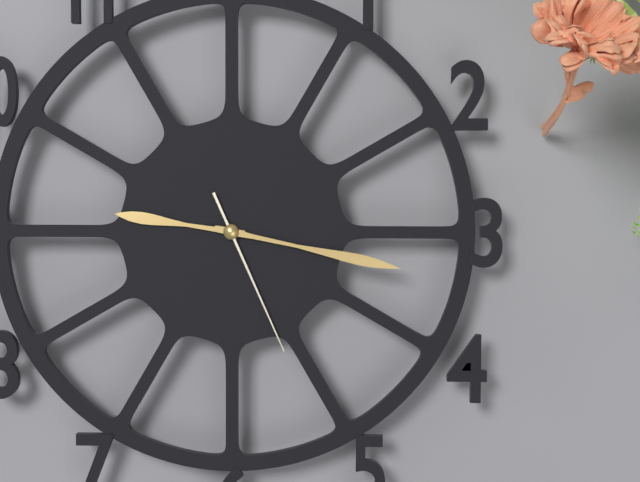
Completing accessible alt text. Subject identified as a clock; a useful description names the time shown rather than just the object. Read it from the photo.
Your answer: 9:17:26
